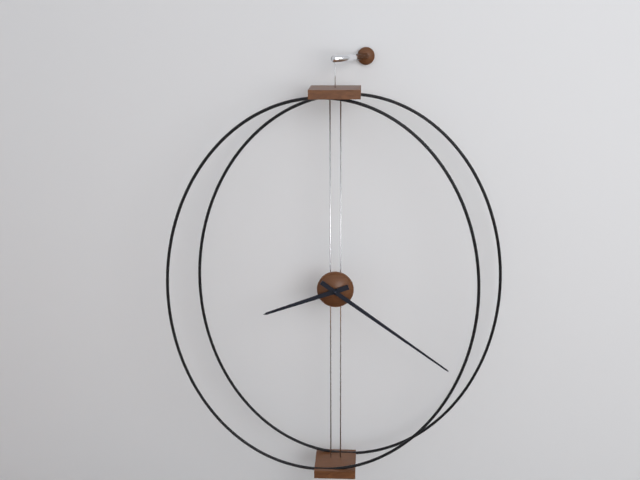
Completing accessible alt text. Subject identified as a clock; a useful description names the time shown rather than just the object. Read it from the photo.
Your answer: 8:21
